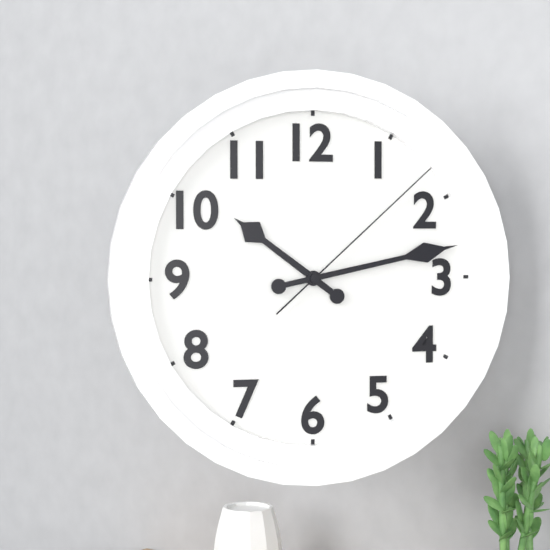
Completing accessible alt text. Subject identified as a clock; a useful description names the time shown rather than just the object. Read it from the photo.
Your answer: 10:13:08
